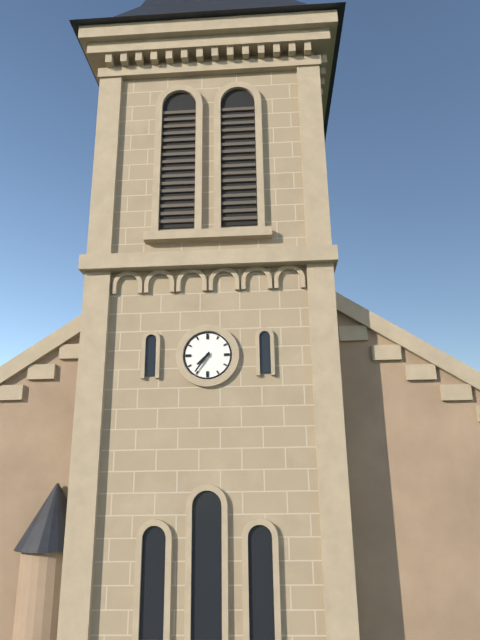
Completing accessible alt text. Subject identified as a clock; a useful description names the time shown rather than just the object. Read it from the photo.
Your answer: 7:36
